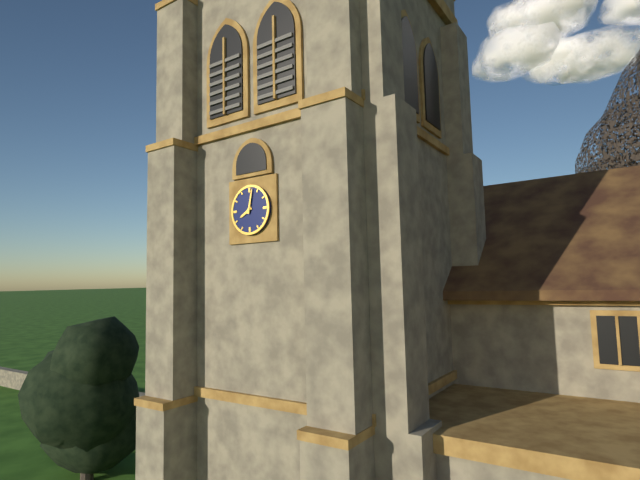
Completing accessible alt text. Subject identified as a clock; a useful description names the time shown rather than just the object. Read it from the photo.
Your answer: 8:02
